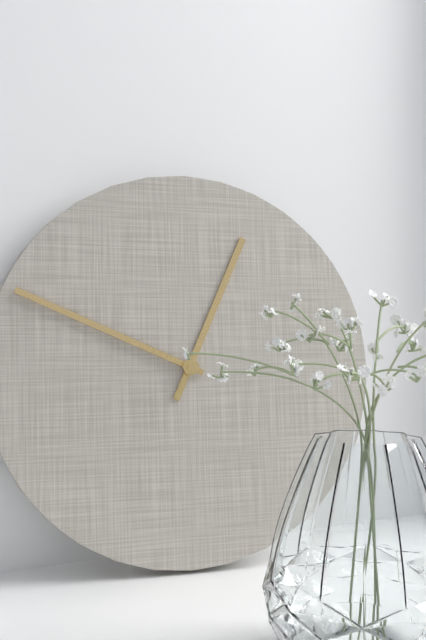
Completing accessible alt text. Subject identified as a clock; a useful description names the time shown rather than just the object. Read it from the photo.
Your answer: 12:49
